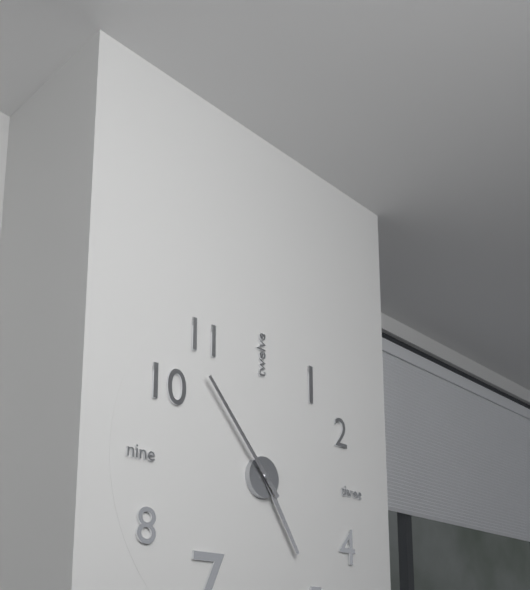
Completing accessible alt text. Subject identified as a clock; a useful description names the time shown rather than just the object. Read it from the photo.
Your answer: 4:53
